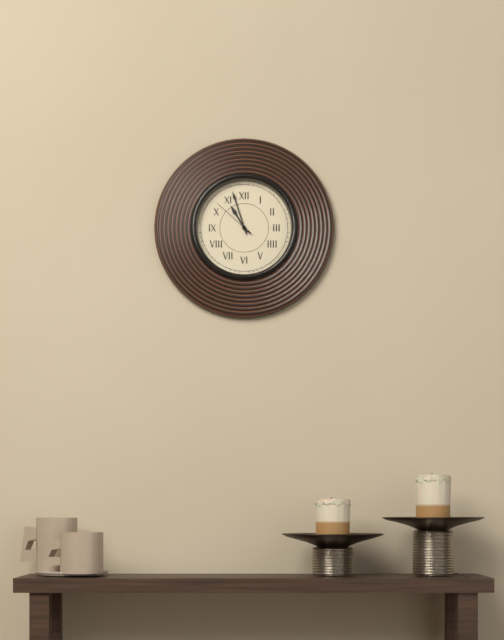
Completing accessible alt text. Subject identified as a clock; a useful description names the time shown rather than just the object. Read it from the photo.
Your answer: 10:57
